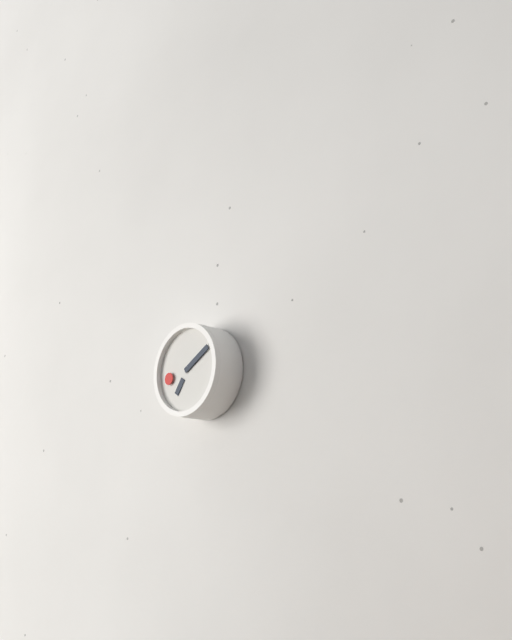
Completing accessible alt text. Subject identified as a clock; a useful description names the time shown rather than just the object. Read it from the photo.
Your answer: 7:10
